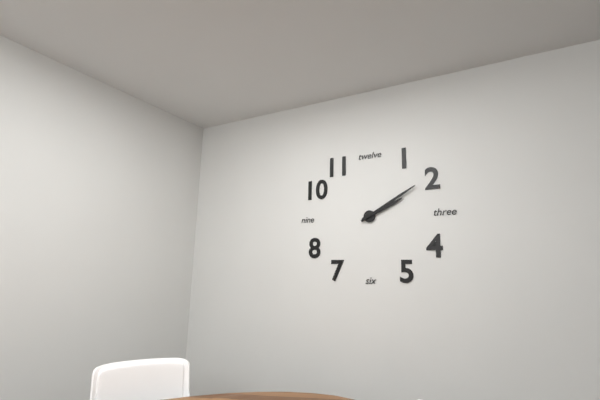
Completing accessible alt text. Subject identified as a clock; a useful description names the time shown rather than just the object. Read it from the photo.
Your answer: 2:10
